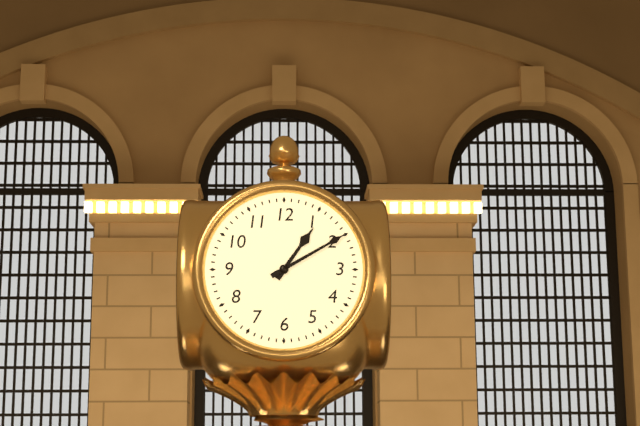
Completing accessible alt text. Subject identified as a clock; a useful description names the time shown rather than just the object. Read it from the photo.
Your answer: 1:10
